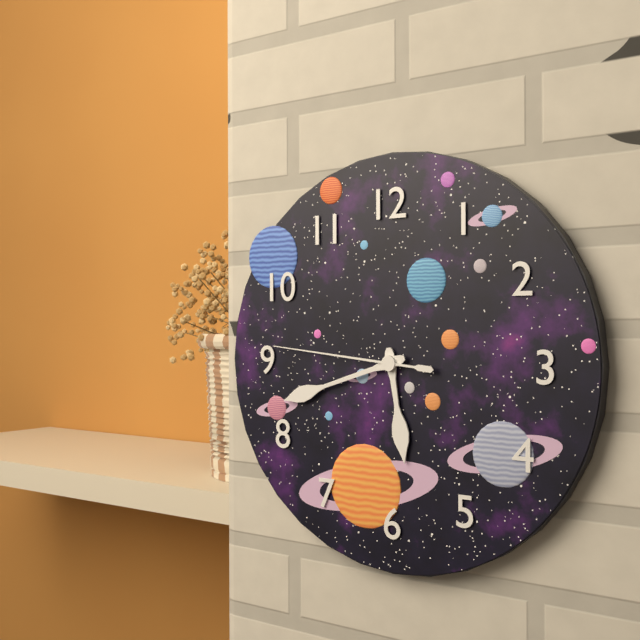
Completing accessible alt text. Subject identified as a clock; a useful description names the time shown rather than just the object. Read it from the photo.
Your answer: 5:42:46
